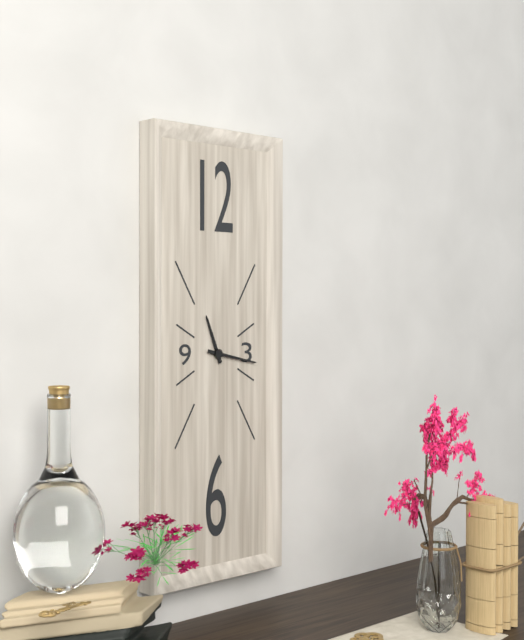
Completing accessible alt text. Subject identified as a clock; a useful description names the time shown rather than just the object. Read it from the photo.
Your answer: 11:17
